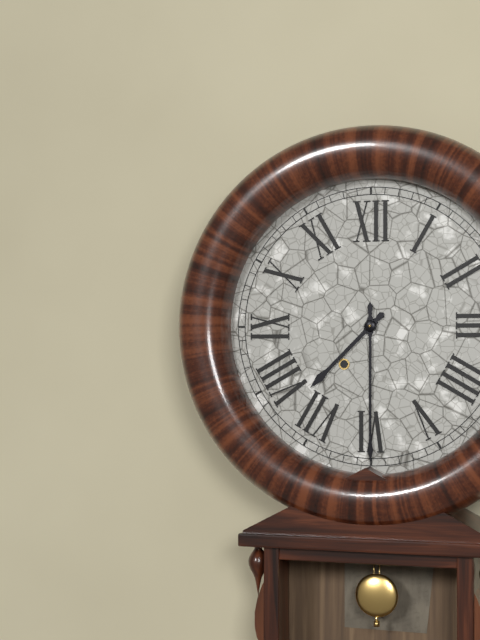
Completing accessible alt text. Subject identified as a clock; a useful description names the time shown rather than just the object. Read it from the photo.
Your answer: 7:30
